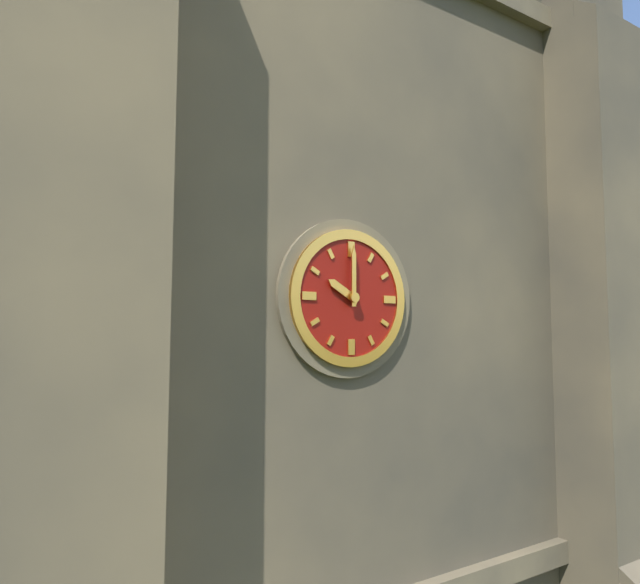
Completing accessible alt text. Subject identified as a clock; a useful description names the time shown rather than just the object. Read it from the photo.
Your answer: 10:00
